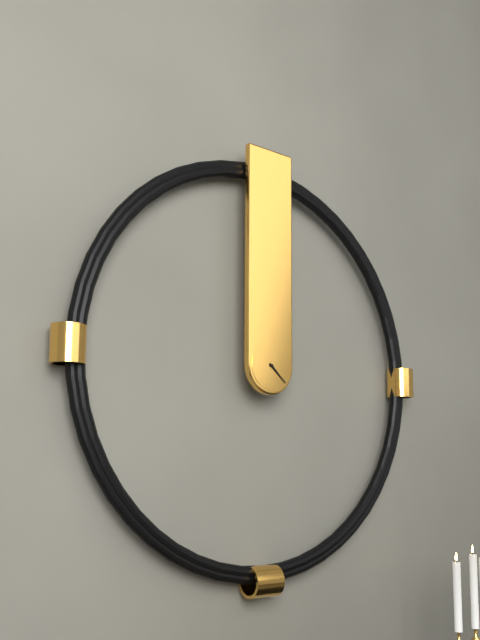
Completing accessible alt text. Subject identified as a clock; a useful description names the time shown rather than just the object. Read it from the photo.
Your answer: 4:22
